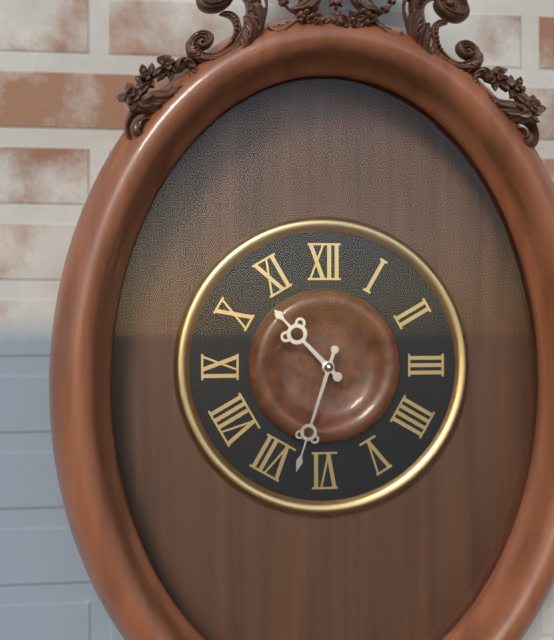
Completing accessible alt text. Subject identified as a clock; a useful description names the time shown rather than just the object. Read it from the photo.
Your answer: 10:33
